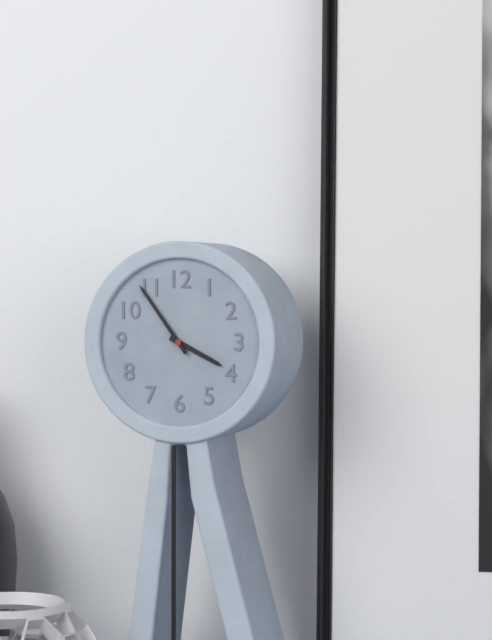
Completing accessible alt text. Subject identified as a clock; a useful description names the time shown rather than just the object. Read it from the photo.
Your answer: 3:54
